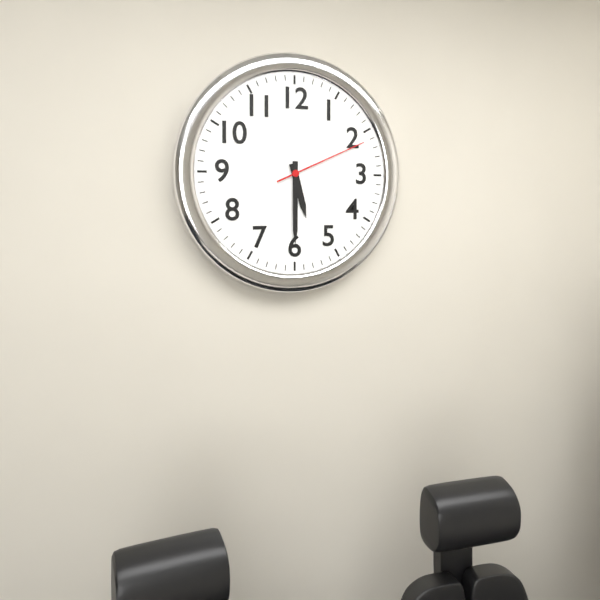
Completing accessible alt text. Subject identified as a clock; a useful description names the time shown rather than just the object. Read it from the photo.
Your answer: 5:30:11
